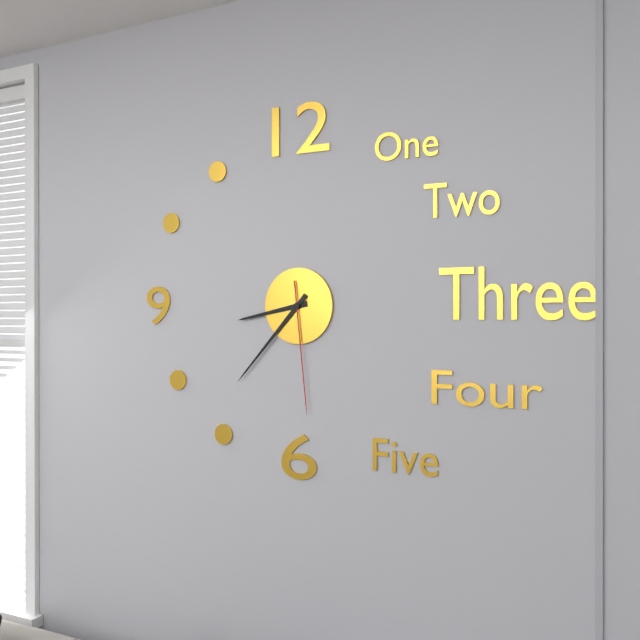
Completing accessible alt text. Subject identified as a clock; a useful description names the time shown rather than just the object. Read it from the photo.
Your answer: 8:37:29
